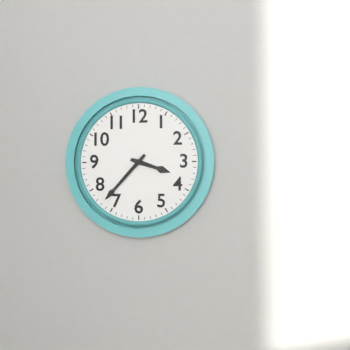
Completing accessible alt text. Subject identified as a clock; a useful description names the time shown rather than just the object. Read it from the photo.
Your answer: 3:37
